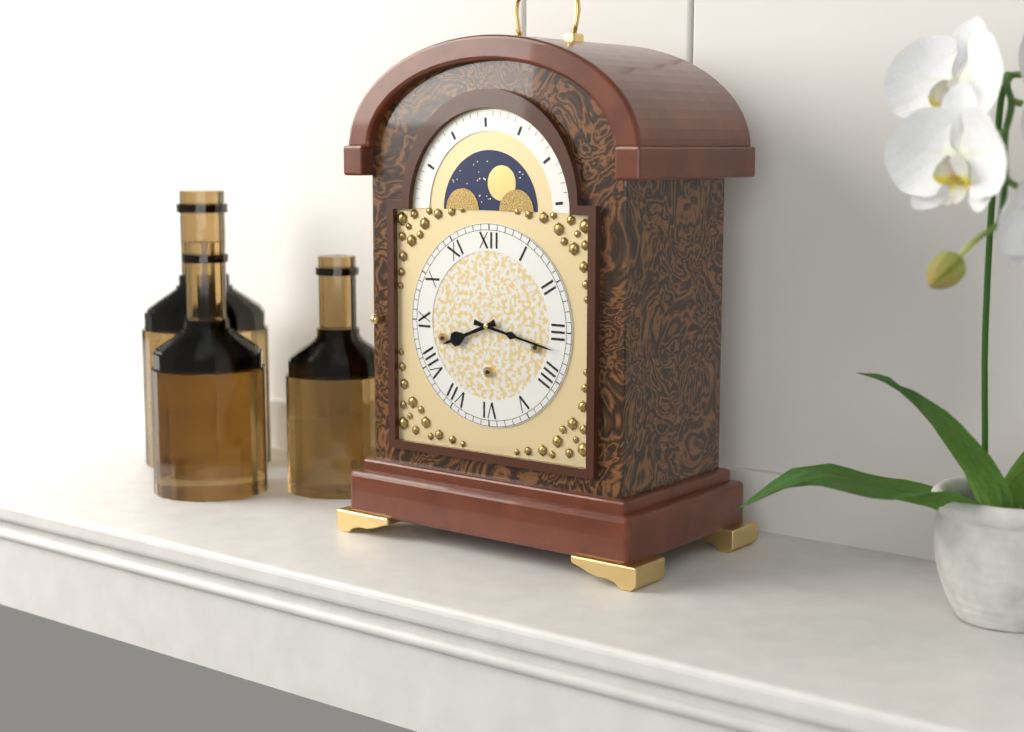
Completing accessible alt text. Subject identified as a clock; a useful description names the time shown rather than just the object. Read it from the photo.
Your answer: 8:17
